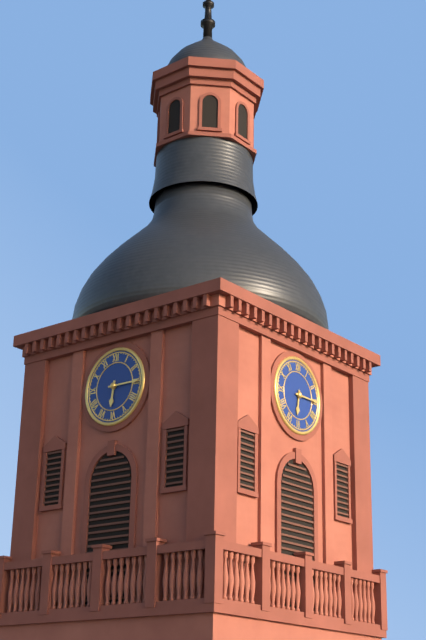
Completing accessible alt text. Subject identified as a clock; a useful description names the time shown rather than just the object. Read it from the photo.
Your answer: 6:15
